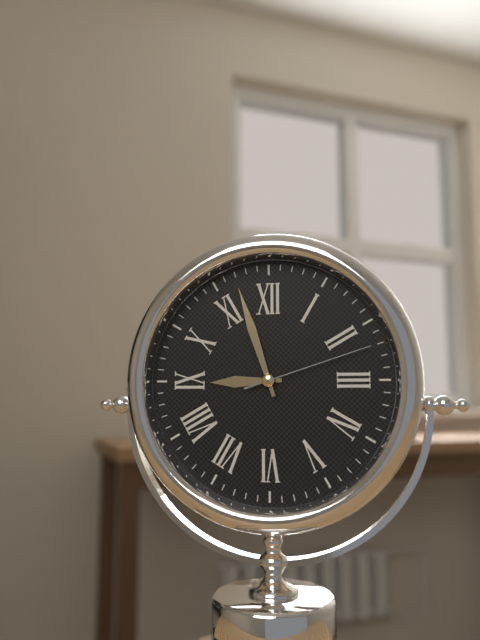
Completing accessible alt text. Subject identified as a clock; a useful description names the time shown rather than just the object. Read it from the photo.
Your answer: 8:57:12
